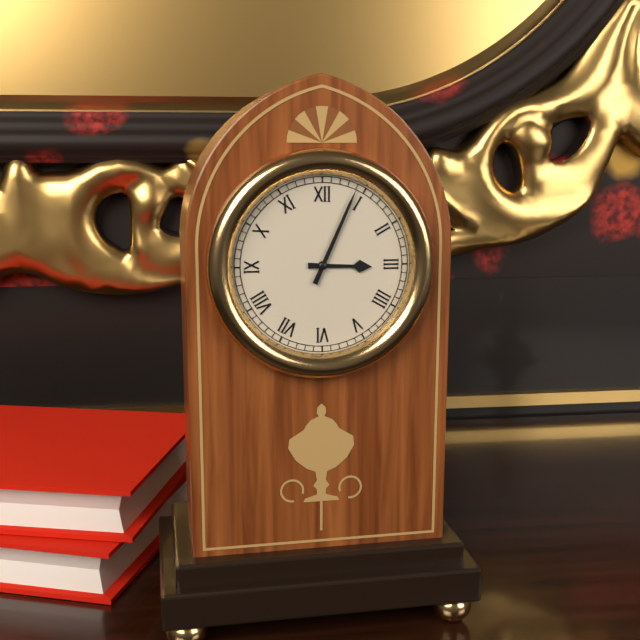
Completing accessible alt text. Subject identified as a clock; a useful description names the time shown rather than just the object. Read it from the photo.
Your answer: 3:04
